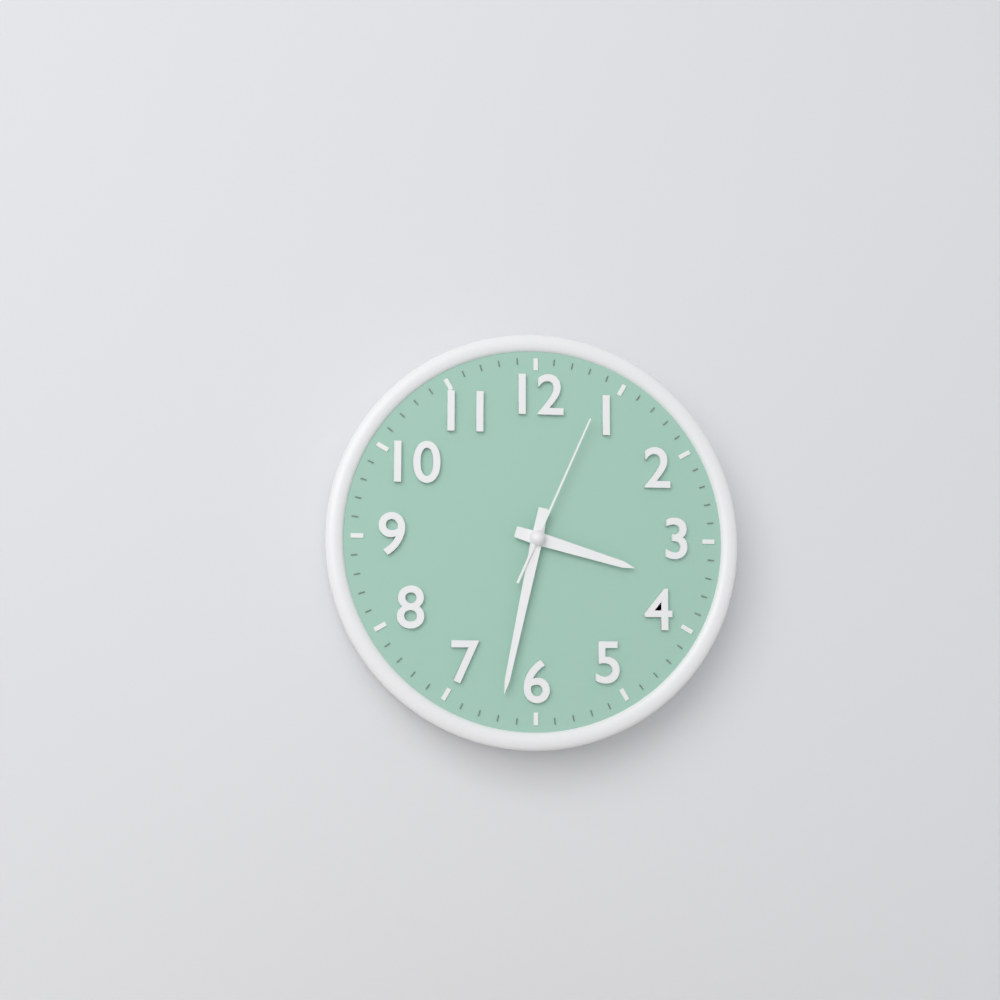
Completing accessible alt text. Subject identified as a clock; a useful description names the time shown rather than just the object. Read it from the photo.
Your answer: 3:32:04
